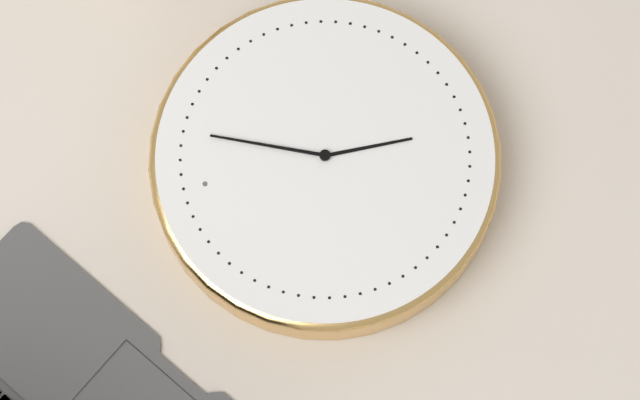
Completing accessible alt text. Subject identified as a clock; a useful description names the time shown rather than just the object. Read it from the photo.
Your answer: 6:04
